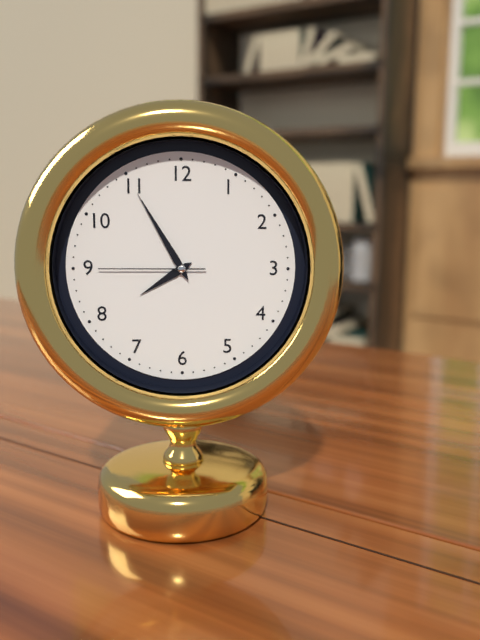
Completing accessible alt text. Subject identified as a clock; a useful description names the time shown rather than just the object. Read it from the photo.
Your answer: 7:55:45
